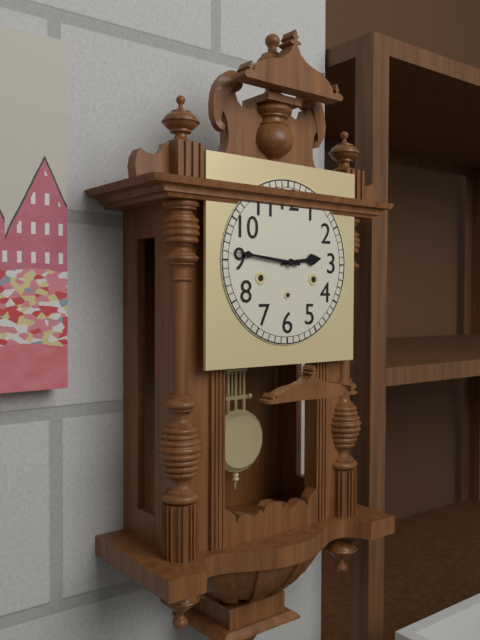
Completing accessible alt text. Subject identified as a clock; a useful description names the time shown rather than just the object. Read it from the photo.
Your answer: 2:46
